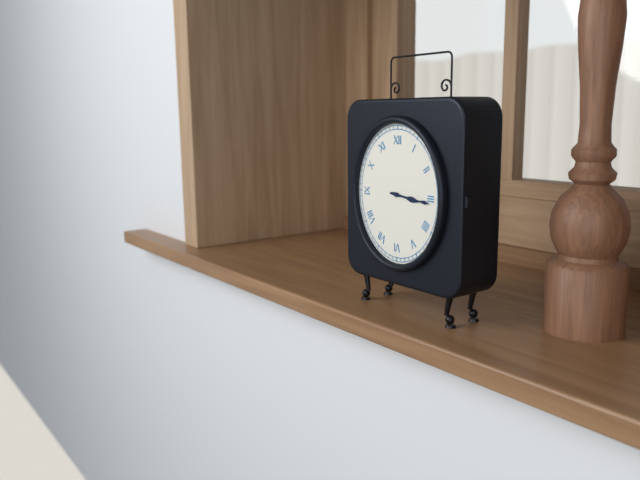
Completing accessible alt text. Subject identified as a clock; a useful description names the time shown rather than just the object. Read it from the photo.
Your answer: 3:16
